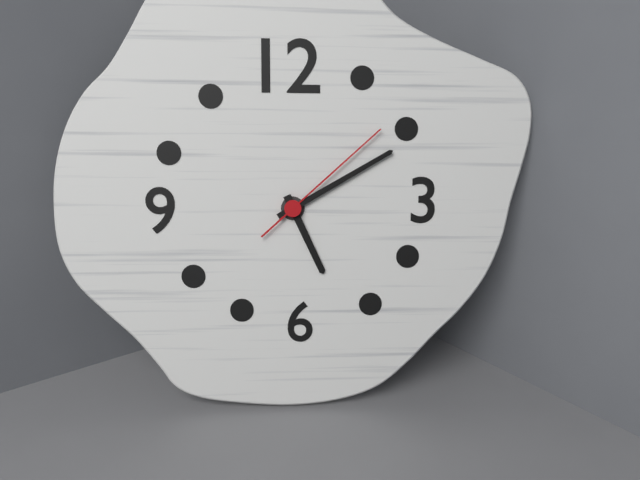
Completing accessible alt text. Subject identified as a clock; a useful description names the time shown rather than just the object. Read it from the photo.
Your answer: 5:10:08
